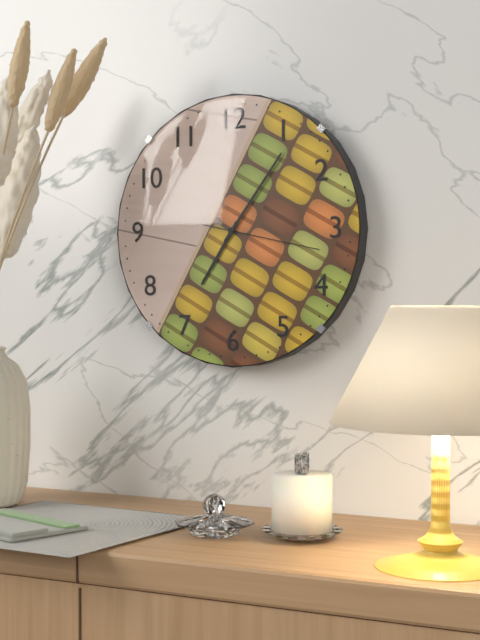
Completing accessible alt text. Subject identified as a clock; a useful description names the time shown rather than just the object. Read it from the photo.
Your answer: 7:06:17
